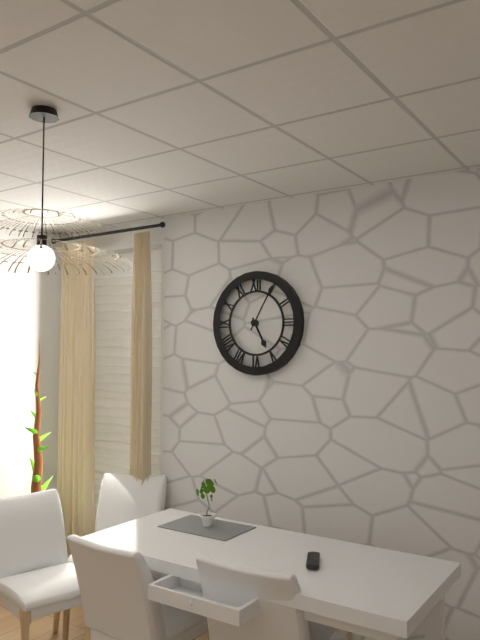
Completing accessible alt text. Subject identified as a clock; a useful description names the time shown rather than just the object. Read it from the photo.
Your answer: 5:05
